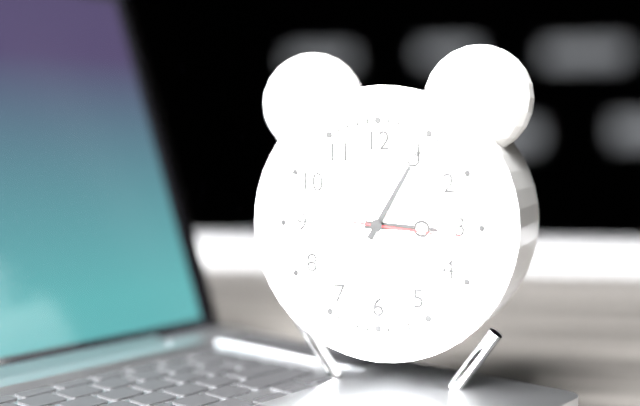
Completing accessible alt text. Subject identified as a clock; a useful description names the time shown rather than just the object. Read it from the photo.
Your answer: 3:05:16
